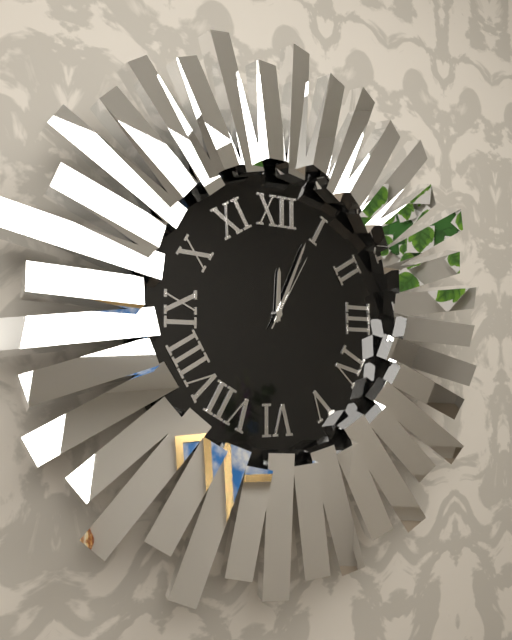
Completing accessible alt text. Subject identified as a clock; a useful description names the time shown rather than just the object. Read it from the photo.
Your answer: 12:04:05
